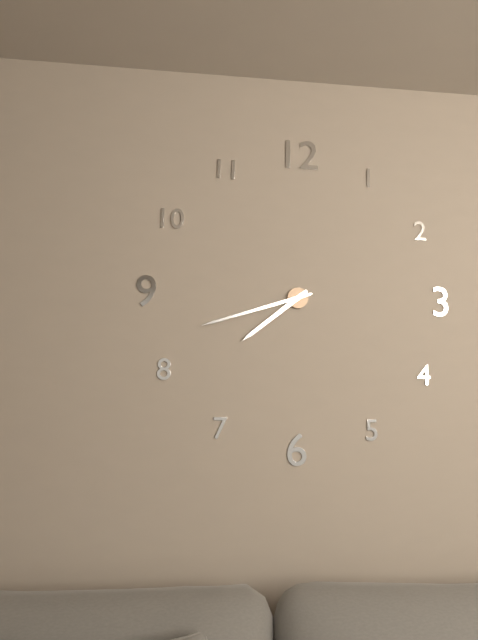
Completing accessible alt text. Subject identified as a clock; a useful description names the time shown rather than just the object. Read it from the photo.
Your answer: 7:42
